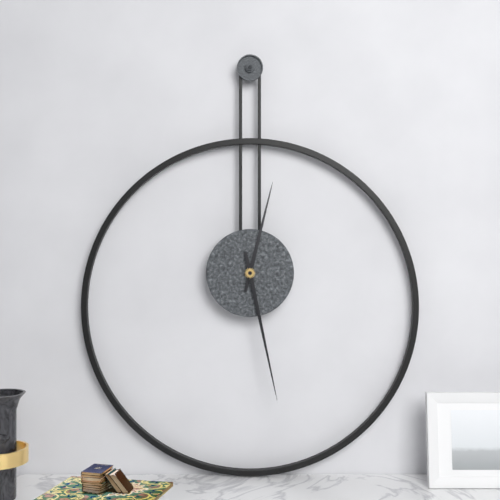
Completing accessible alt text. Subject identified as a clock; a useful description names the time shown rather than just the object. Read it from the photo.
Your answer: 12:28
